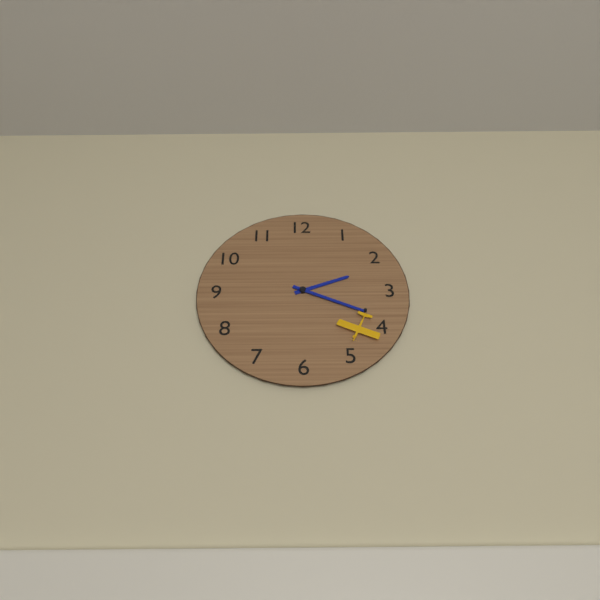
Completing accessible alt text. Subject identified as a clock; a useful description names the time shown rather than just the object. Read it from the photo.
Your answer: 2:19
